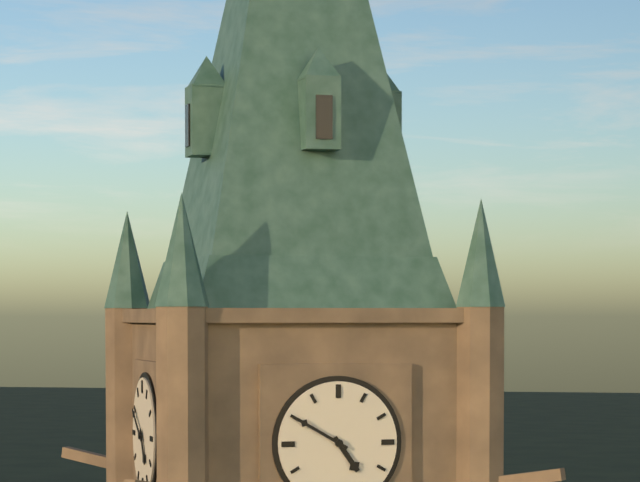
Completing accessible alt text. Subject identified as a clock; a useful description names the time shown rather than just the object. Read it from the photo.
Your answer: 4:50
